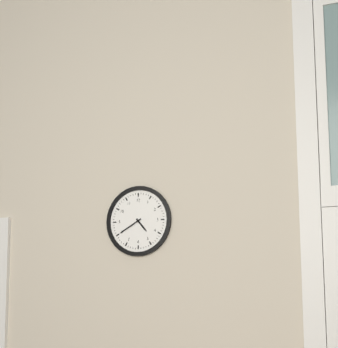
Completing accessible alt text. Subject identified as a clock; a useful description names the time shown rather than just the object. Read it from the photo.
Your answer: 4:40
